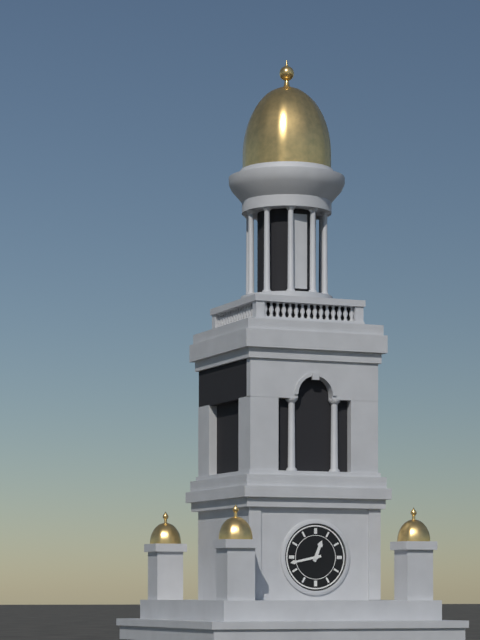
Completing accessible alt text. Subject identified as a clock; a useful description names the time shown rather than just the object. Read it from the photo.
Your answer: 12:43
